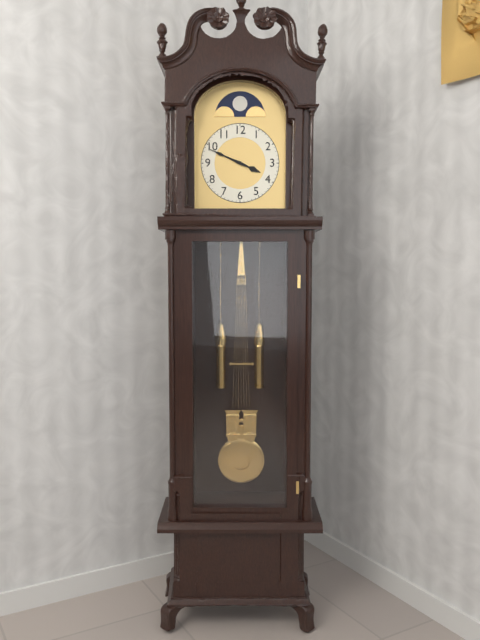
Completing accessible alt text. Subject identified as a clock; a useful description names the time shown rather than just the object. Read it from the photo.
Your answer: 3:49
